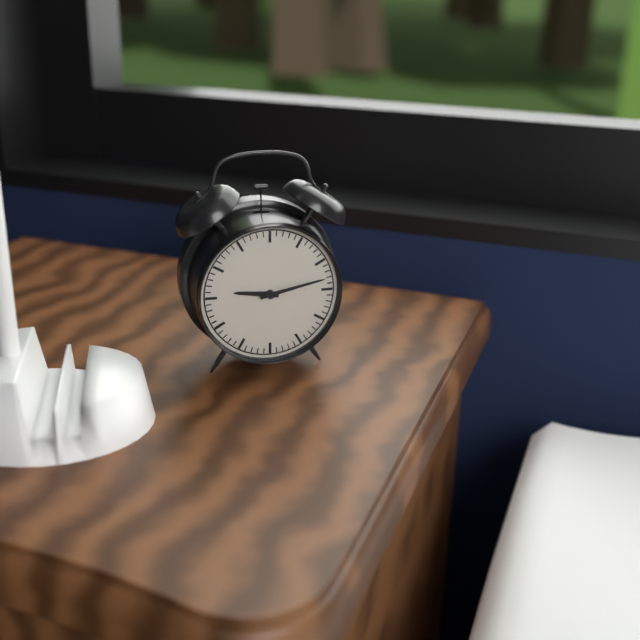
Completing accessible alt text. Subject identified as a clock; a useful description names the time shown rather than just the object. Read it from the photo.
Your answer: 9:13
